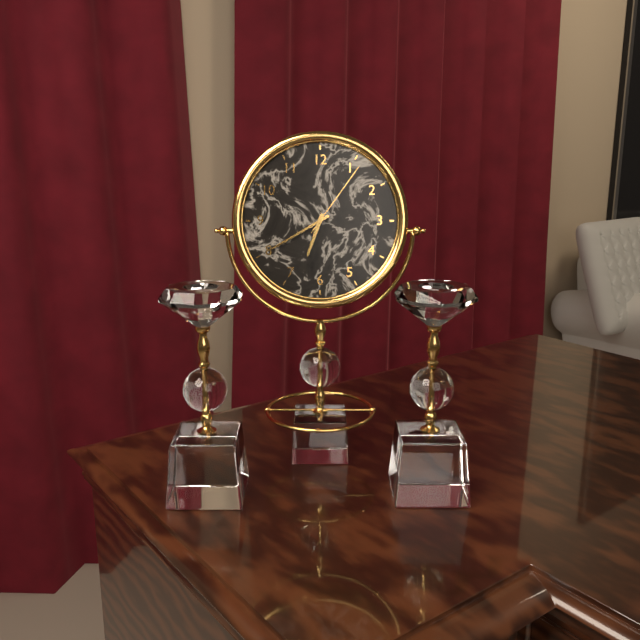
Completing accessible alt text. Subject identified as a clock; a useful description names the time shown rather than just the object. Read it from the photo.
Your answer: 6:40:06
